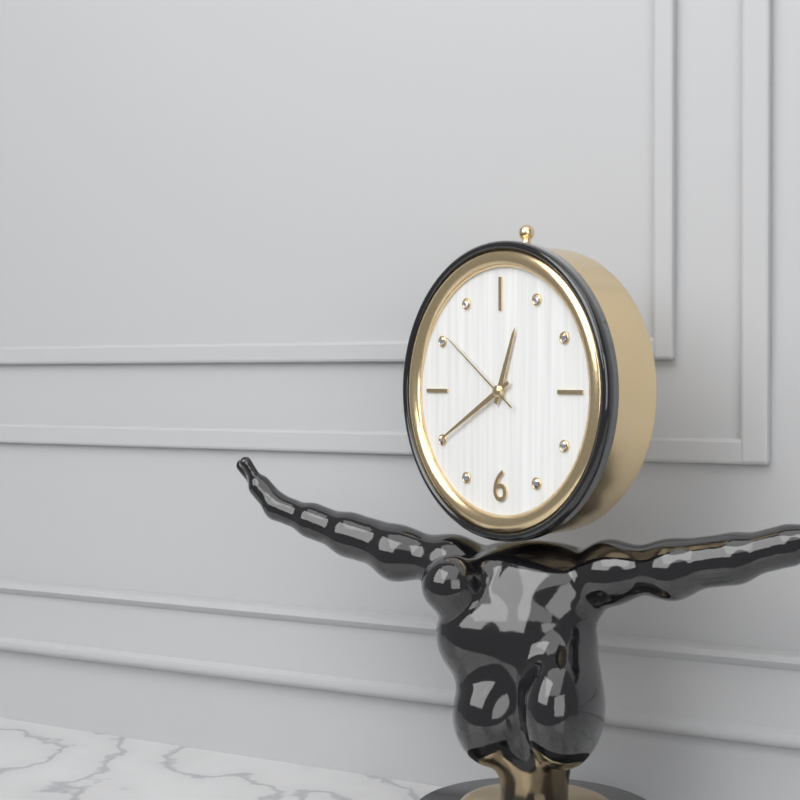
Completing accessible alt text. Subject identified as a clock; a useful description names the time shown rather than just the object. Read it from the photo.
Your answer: 12:40:51
